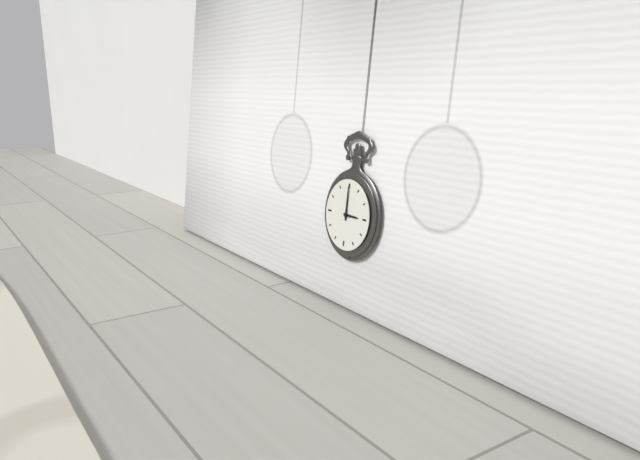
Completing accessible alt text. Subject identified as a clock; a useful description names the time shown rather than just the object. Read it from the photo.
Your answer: 3:00
